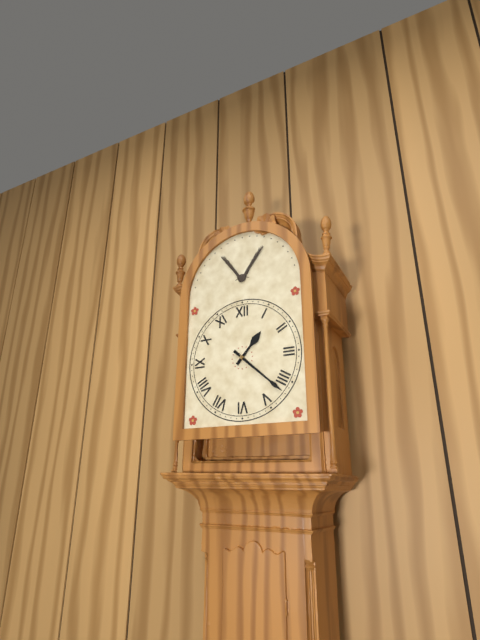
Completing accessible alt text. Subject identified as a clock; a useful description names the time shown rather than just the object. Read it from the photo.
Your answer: 1:22
